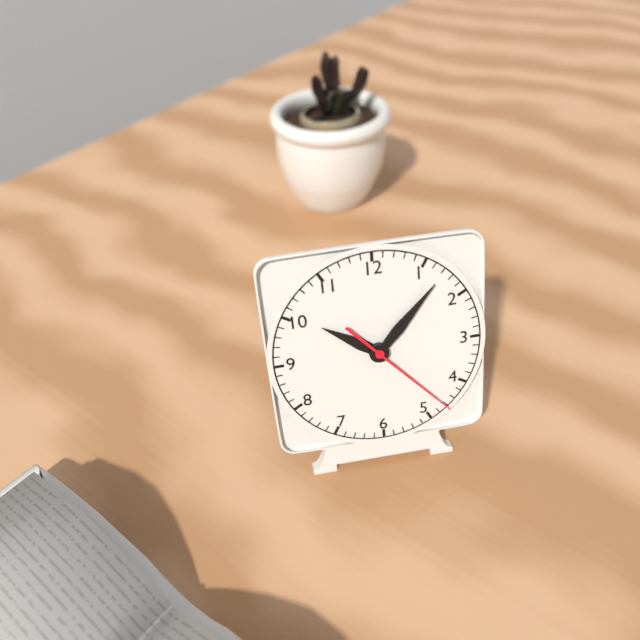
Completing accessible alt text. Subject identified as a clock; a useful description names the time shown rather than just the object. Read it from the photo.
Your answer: 10:07:23
